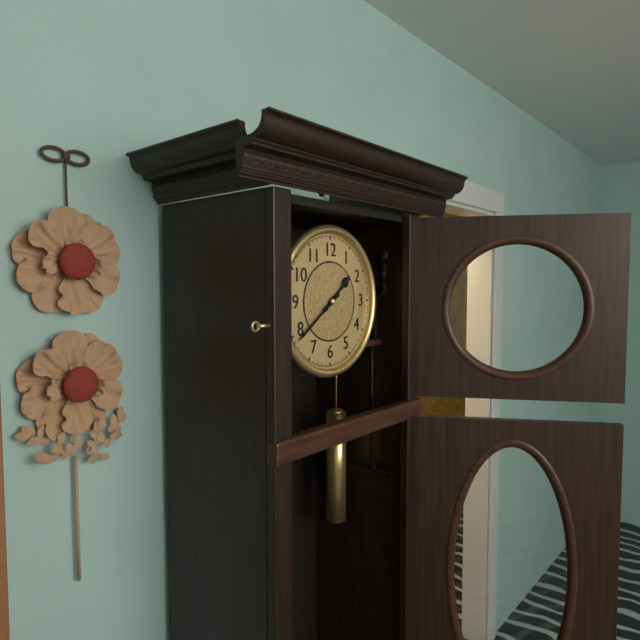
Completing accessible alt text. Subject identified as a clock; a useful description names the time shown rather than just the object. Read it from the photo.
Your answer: 1:39
